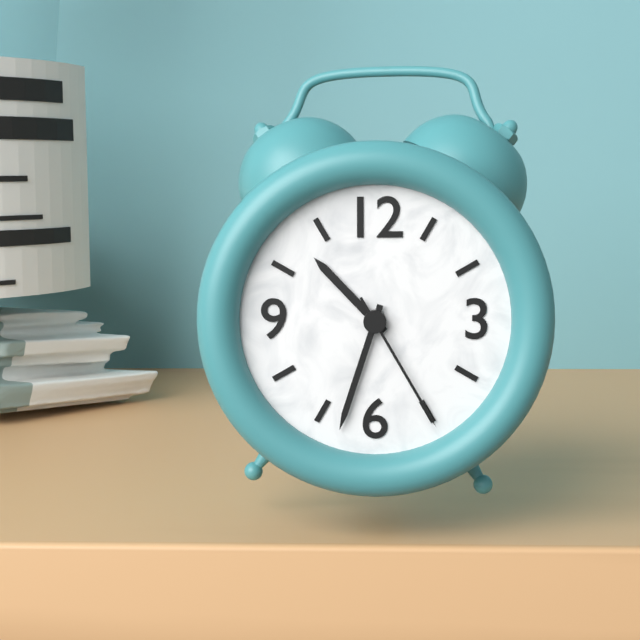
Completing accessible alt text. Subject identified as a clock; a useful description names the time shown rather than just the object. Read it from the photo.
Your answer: 10:33:25
